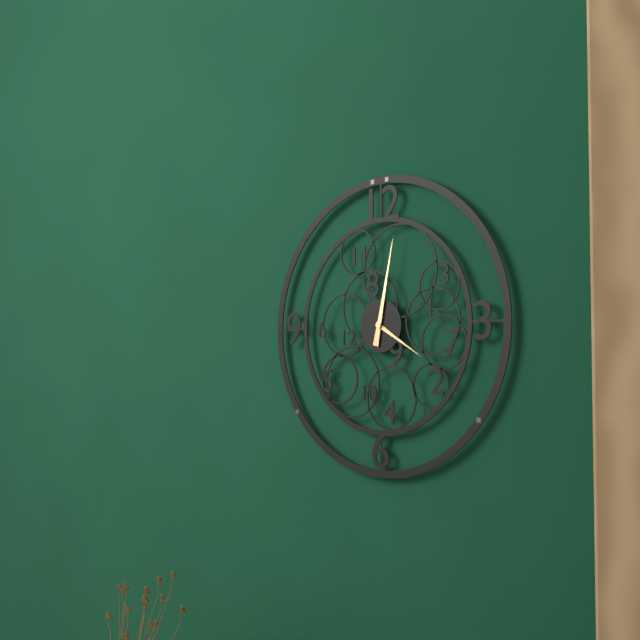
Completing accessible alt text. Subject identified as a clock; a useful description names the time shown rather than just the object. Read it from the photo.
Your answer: 4:02
